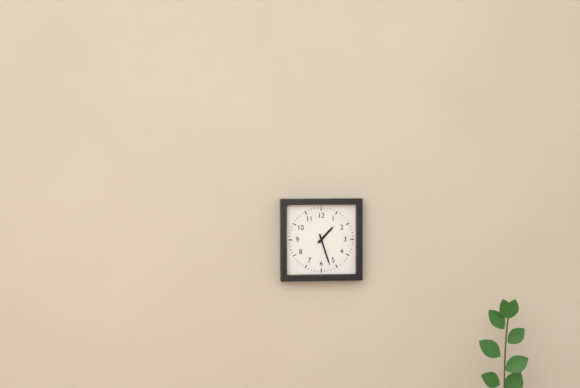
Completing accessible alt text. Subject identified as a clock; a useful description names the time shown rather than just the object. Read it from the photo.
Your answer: 1:27
